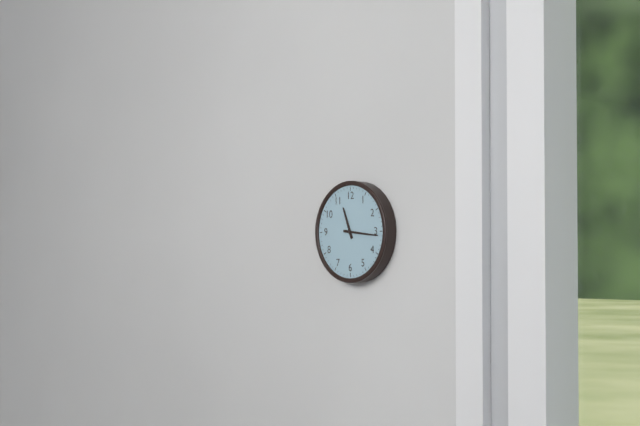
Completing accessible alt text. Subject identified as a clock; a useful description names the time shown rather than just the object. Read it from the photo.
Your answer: 11:16
